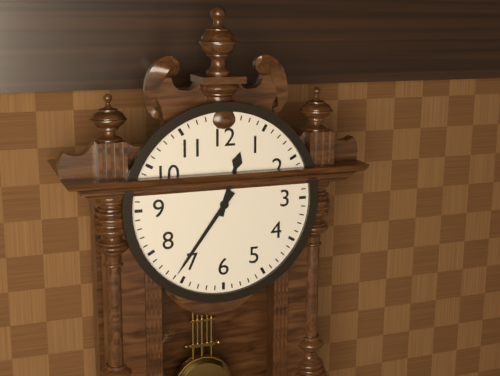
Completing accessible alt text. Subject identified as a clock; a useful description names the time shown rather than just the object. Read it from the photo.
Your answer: 12:36
